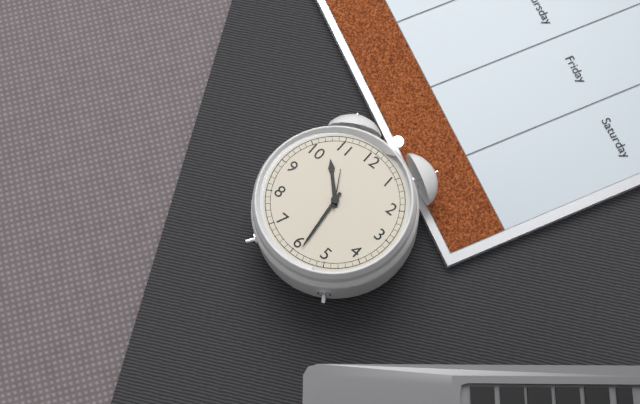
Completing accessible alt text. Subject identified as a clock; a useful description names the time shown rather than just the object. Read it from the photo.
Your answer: 10:29
